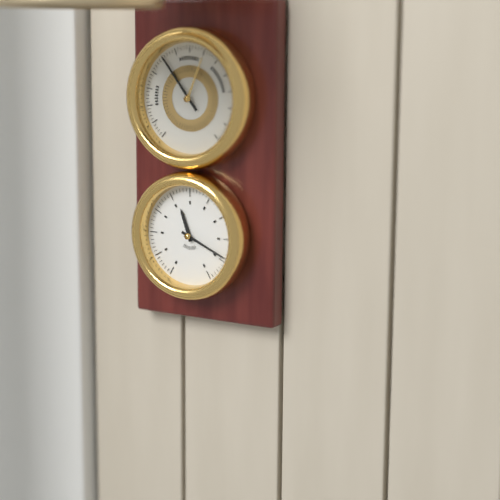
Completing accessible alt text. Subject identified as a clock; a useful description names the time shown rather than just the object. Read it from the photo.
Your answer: 11:19
